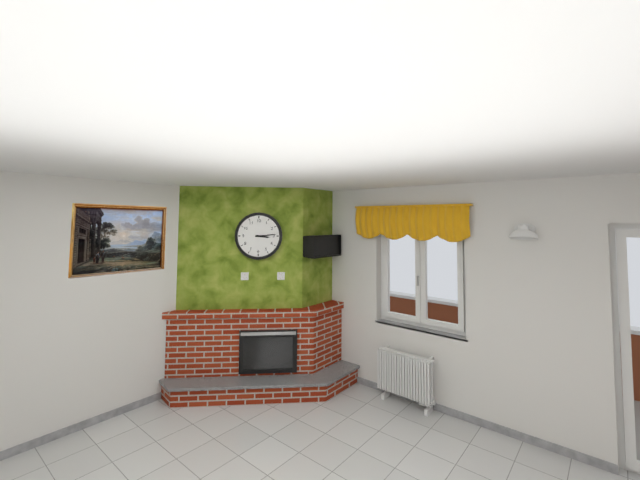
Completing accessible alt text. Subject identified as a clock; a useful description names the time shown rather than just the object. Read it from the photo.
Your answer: 3:14
